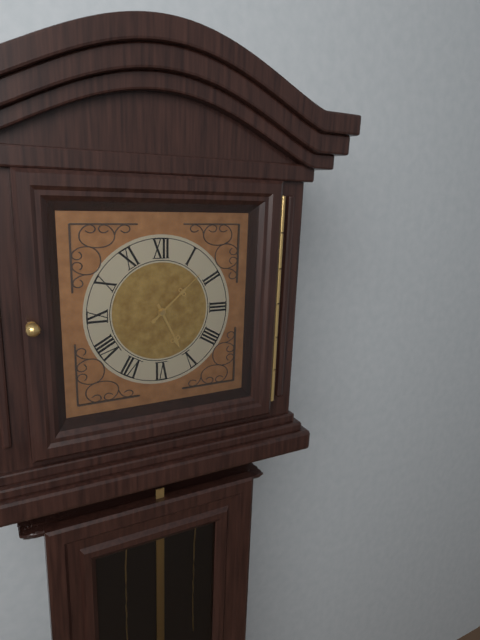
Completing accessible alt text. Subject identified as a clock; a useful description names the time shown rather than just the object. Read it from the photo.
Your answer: 5:08
